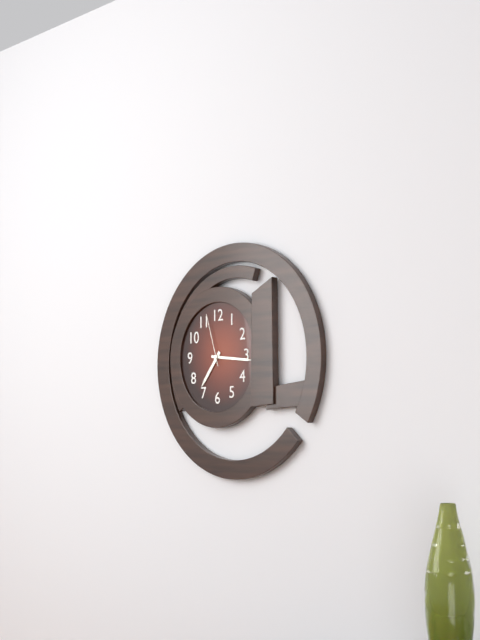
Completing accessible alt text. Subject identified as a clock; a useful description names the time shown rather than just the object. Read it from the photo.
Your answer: 7:16:57
